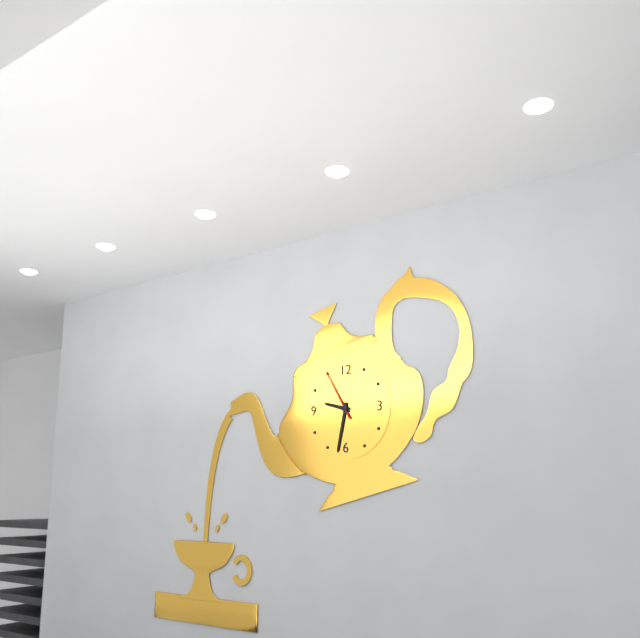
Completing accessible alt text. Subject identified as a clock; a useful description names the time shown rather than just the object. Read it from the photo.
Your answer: 9:32:55
